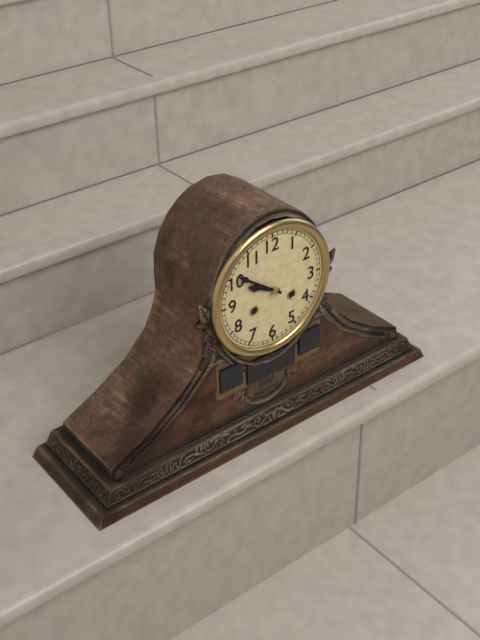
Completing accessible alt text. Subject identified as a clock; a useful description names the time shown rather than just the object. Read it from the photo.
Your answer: 9:51
